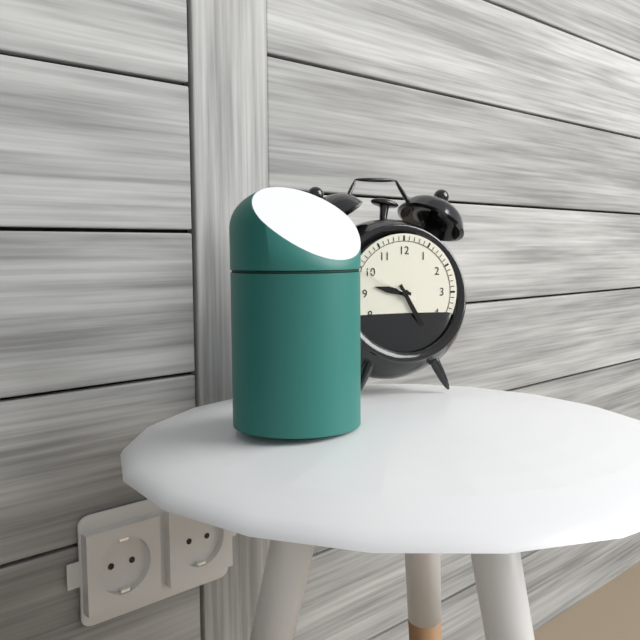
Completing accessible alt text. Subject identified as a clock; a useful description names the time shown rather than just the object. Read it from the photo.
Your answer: 9:25:50
